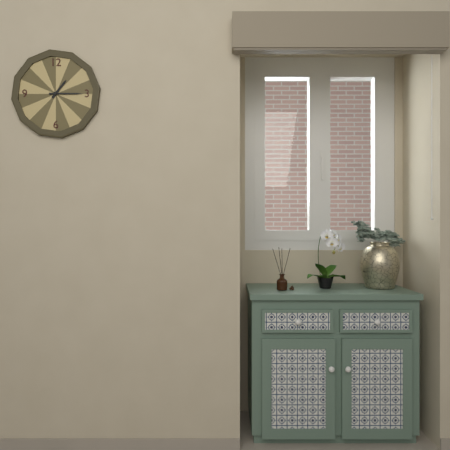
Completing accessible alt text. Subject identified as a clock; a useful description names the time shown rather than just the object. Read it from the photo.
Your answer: 1:15
